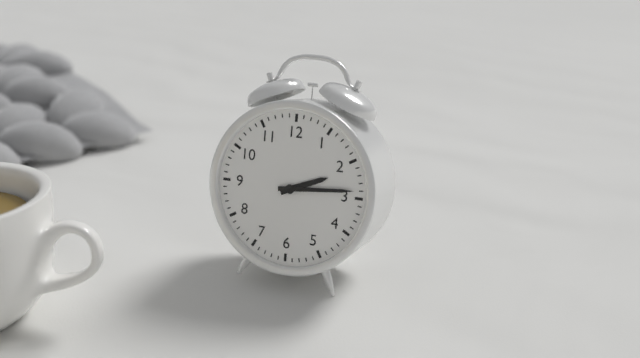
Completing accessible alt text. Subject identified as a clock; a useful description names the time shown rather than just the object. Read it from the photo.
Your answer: 2:14
